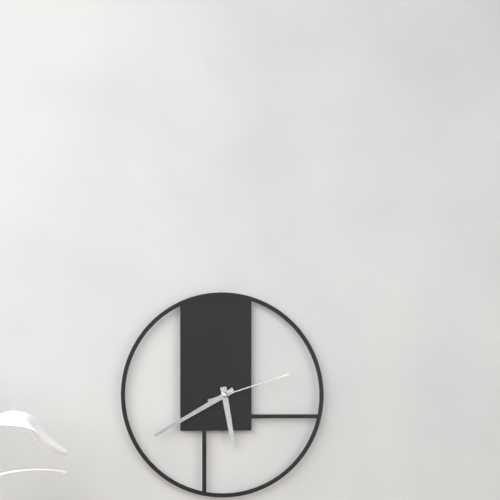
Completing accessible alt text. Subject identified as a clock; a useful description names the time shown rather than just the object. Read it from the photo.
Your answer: 5:40:12
